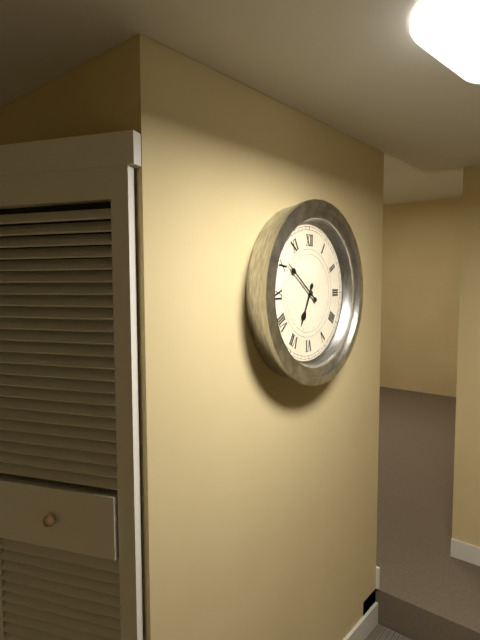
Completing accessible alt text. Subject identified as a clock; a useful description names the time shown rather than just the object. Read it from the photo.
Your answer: 6:51
